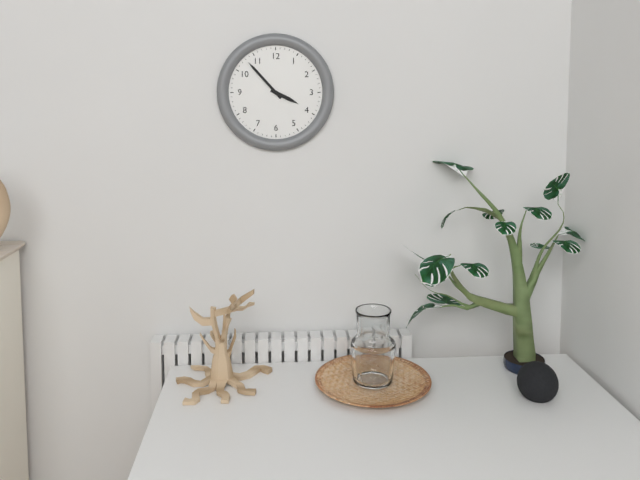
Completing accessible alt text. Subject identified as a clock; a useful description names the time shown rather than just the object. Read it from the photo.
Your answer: 3:53
